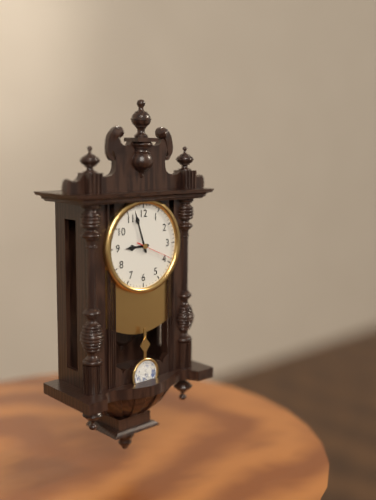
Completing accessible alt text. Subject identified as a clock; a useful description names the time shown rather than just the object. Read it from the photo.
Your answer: 8:57
